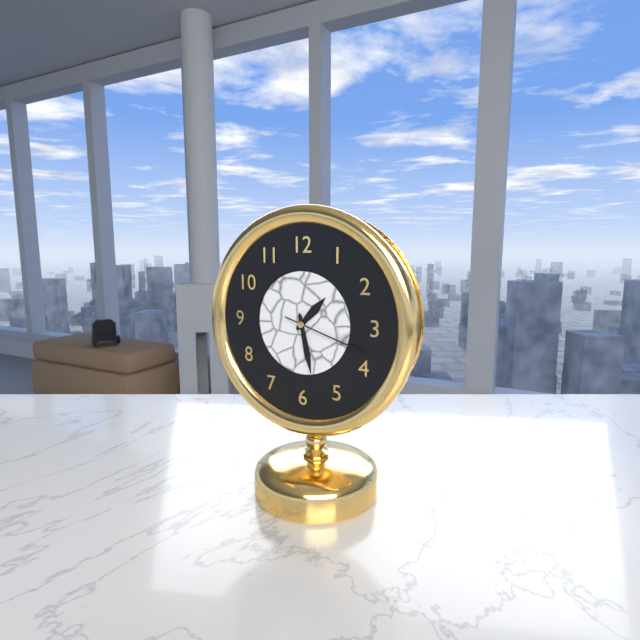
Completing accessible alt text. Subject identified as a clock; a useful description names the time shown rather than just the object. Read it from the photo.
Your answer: 1:28:18
